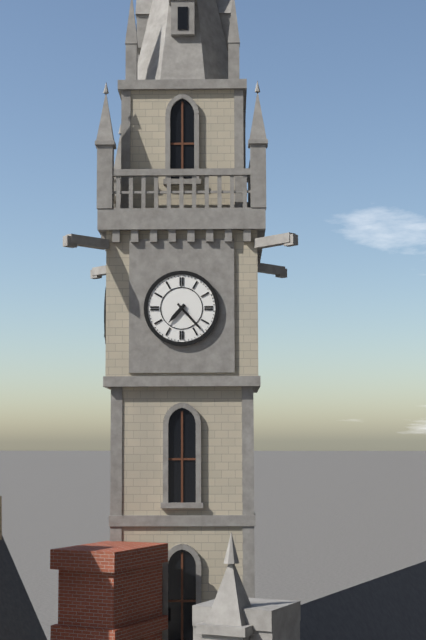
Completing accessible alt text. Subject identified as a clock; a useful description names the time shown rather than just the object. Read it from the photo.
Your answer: 7:23
